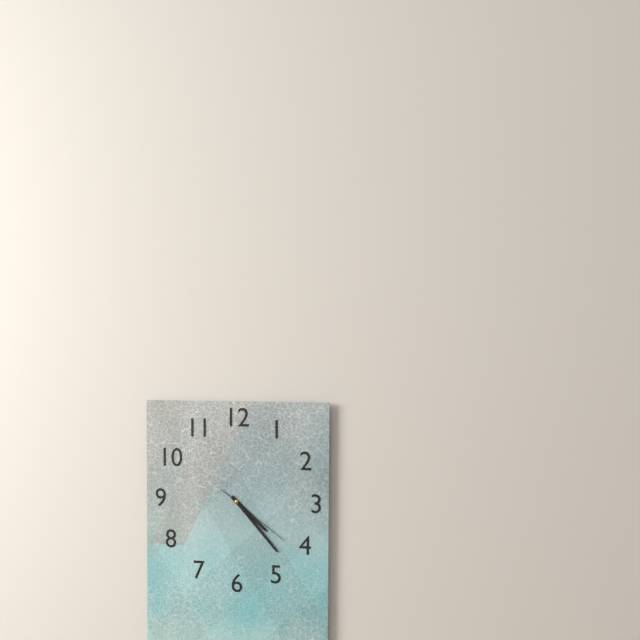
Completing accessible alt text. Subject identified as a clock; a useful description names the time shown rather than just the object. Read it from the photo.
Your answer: 4:23:21
